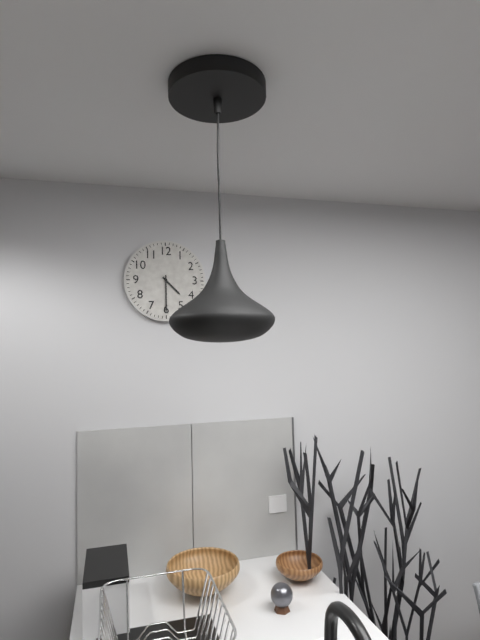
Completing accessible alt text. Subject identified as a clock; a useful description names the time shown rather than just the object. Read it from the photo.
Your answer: 4:30
